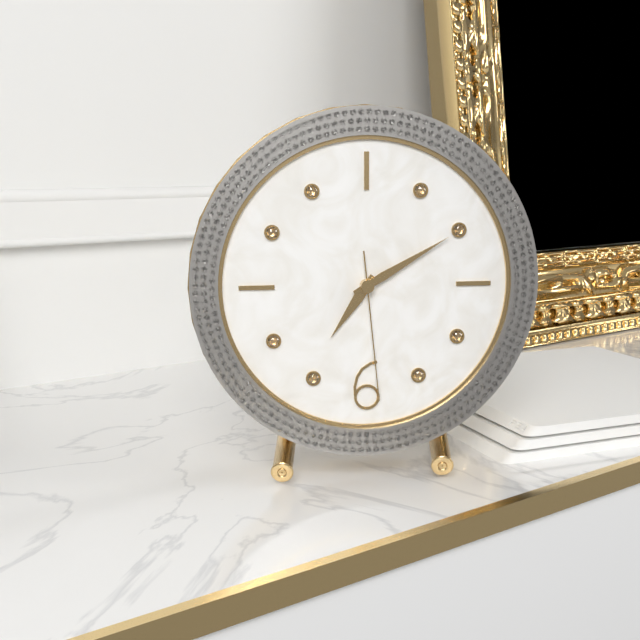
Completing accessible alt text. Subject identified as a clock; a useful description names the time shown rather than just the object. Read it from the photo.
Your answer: 7:10:29
